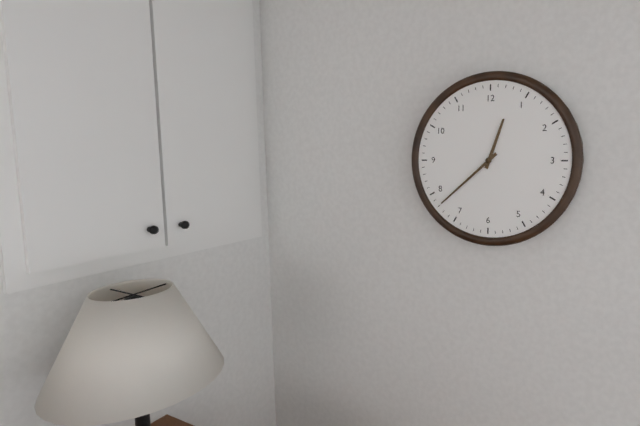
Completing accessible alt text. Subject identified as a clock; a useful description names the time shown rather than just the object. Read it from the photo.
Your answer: 12:38
